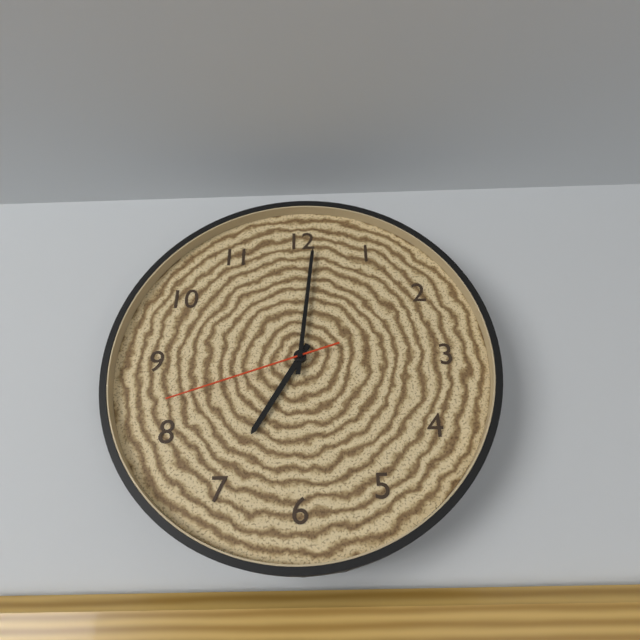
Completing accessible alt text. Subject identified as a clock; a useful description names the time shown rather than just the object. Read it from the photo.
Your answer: 7:01:42
